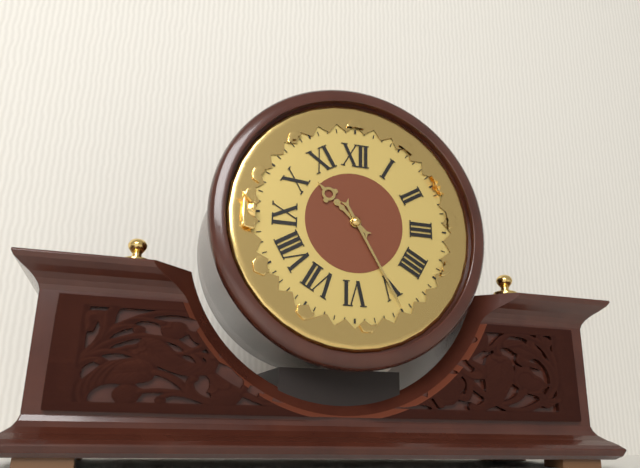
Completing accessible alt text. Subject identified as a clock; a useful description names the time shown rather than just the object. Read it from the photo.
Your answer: 10:25
